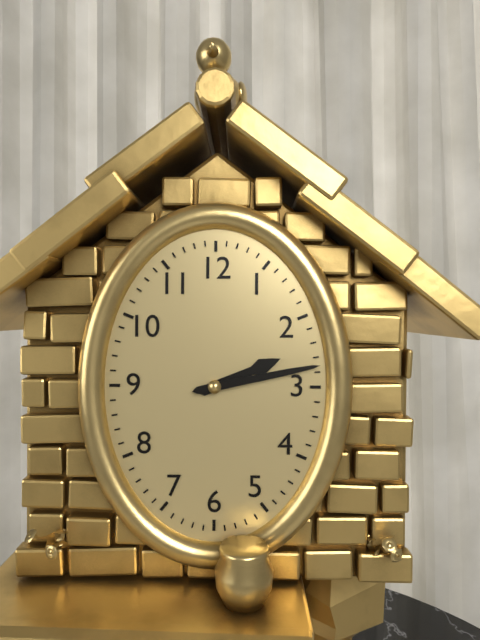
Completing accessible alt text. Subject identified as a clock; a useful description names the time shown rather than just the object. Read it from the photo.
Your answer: 2:13
